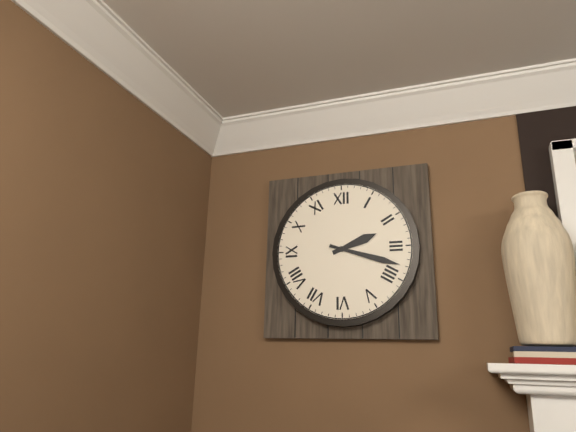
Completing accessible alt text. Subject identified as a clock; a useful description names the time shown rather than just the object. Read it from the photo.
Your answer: 2:18
